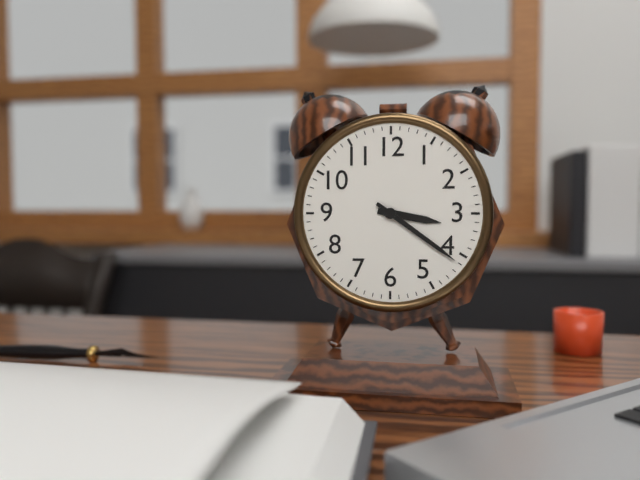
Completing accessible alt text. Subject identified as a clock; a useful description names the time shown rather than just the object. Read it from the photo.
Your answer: 3:21
